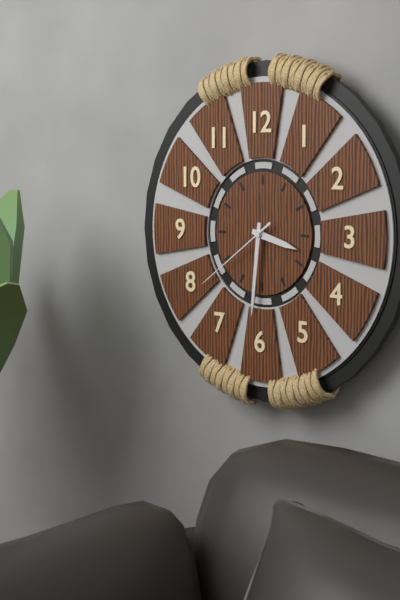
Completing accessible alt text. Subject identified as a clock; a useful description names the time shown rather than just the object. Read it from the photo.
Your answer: 3:31:39
